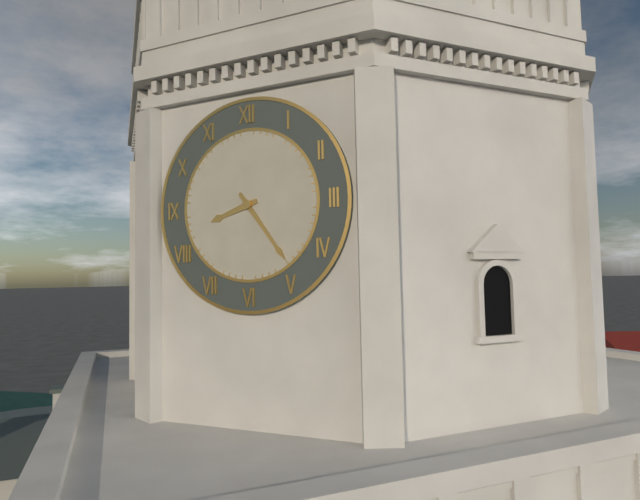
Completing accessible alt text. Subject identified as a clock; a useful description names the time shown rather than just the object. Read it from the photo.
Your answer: 8:24
